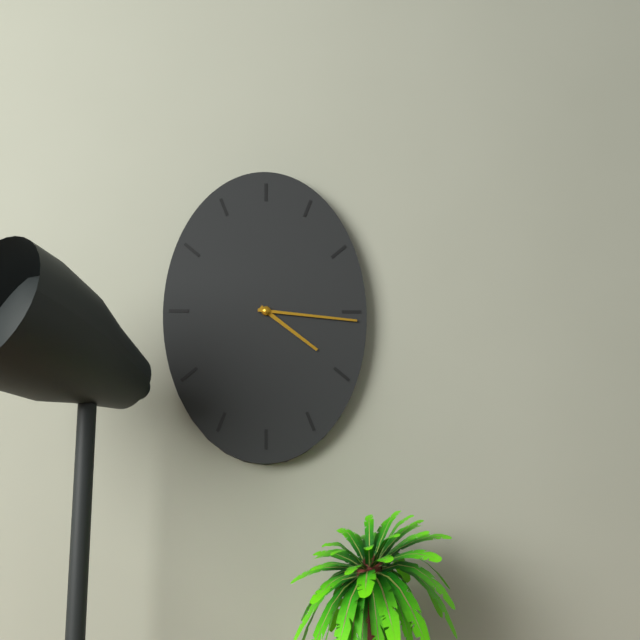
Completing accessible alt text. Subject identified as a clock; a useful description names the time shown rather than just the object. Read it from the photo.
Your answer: 4:16
